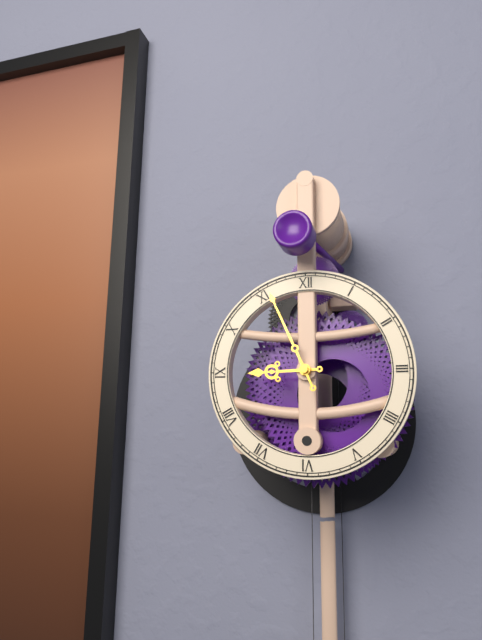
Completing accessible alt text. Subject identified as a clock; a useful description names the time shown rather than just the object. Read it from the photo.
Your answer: 8:56
